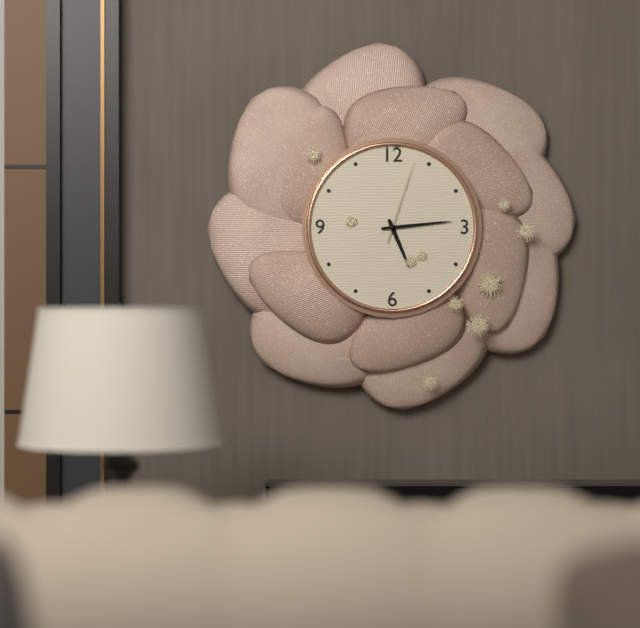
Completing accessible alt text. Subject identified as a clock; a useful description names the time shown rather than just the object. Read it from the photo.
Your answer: 5:14:03
